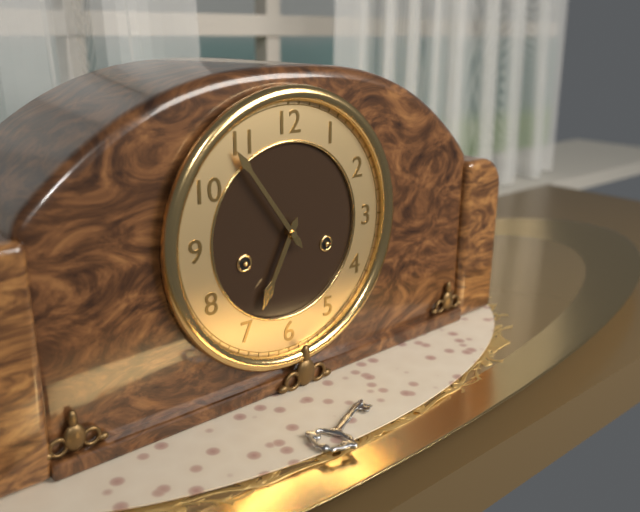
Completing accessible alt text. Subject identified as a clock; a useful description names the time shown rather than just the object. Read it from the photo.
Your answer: 6:54
